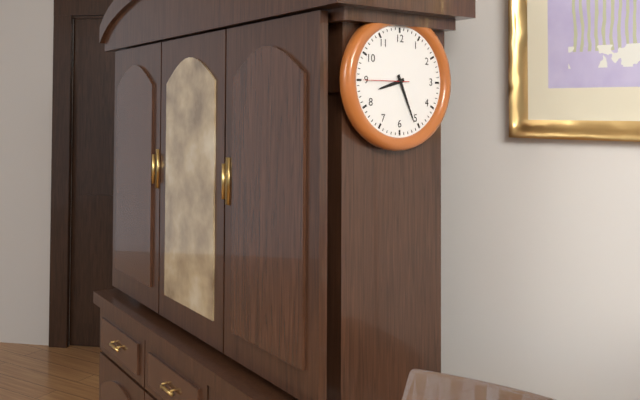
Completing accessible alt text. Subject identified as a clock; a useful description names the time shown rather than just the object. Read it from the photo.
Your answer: 8:26
